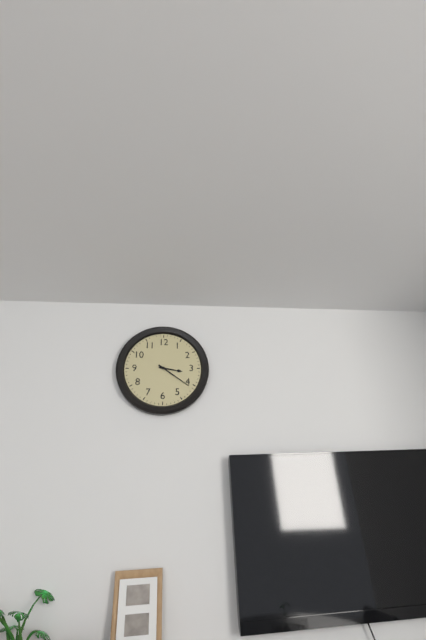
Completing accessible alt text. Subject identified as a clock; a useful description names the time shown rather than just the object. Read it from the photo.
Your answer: 3:21
